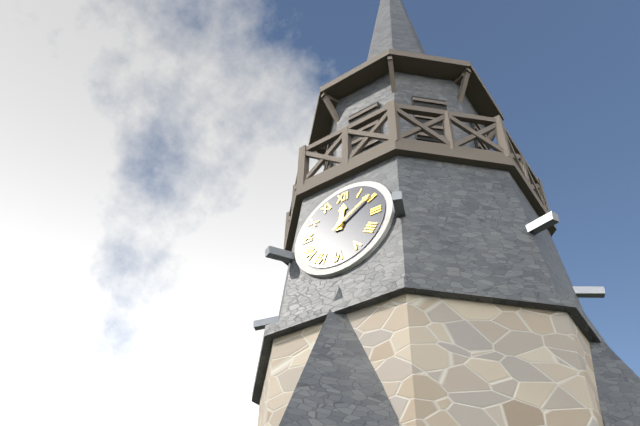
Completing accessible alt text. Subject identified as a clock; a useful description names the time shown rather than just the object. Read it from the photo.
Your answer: 12:09
